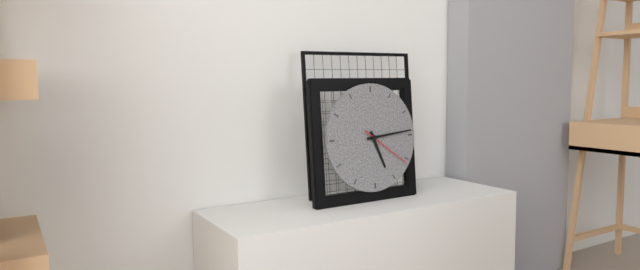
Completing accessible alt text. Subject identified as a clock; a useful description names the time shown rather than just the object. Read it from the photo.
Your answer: 5:14:21
